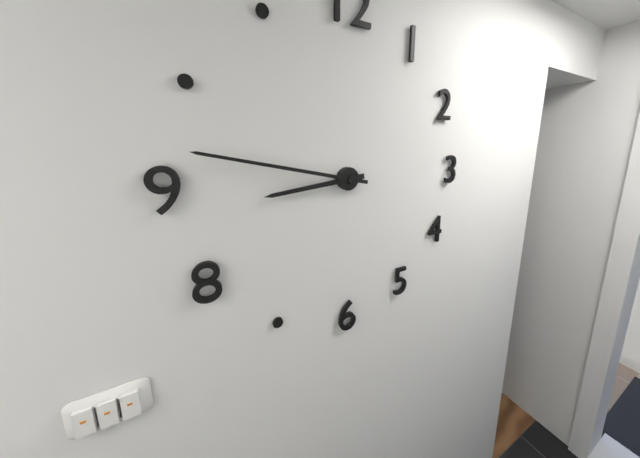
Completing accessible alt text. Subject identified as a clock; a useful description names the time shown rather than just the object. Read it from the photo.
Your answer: 8:47
